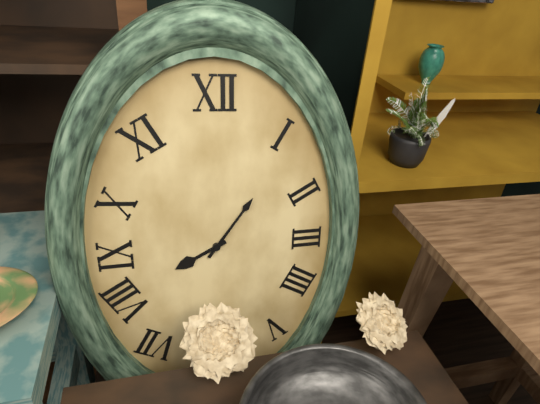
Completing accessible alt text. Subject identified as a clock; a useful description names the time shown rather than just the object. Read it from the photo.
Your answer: 8:06
